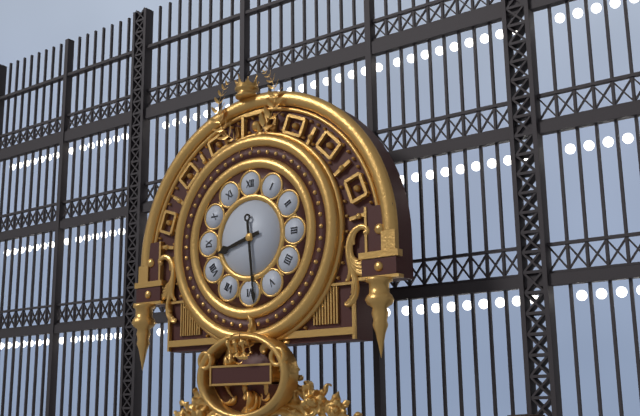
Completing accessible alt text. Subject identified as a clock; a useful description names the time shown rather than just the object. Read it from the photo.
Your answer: 8:29
